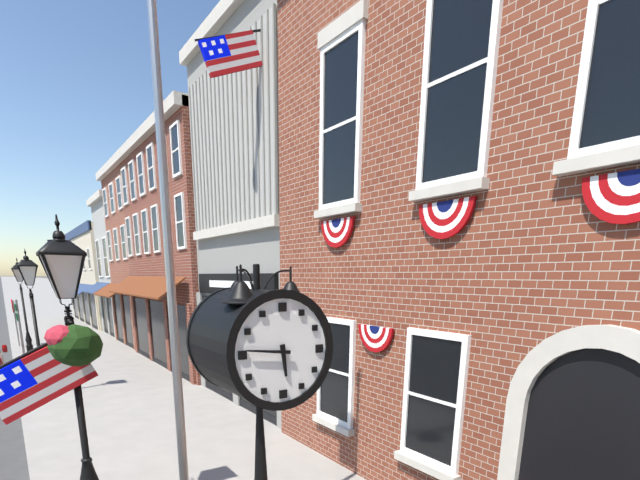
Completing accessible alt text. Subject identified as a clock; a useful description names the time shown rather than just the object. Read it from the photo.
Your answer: 5:46
